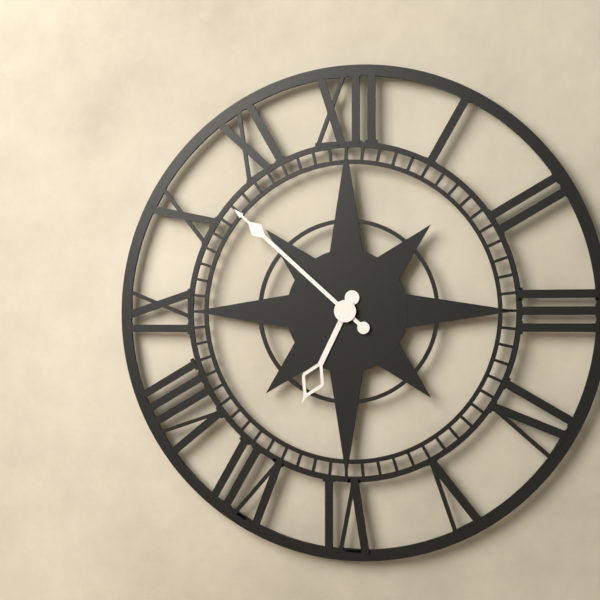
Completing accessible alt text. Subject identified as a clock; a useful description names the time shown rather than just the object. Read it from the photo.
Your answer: 6:52
